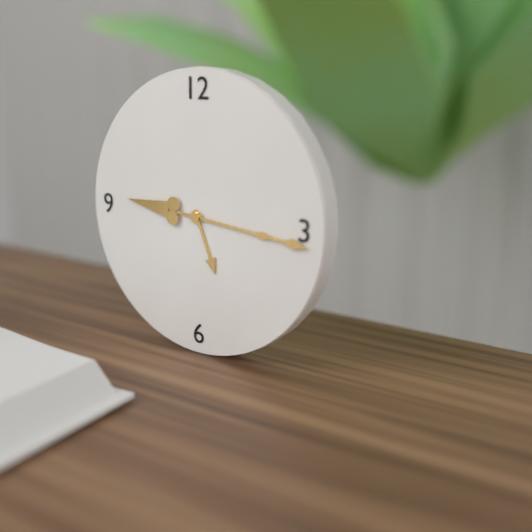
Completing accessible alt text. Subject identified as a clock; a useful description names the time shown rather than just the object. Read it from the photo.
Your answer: 5:16
